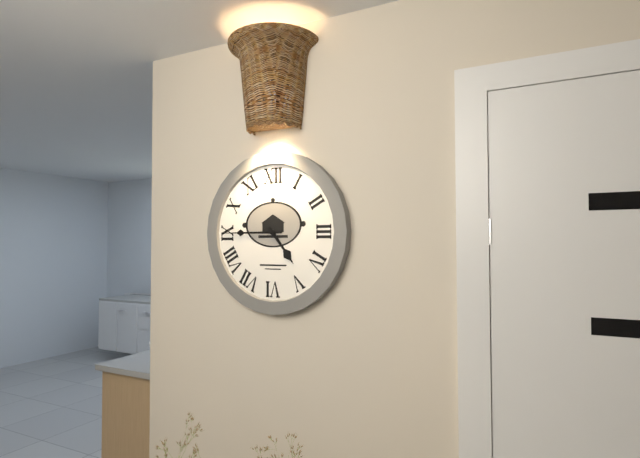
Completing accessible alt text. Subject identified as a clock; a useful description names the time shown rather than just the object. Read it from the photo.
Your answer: 4:45
